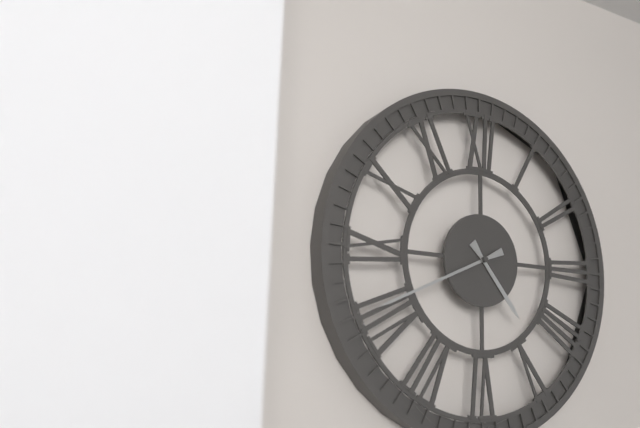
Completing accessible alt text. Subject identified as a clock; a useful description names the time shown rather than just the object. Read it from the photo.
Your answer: 4:41
